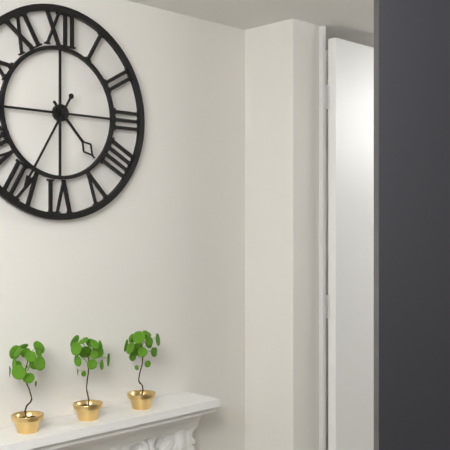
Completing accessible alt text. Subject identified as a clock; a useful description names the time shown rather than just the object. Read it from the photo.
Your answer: 4:35
